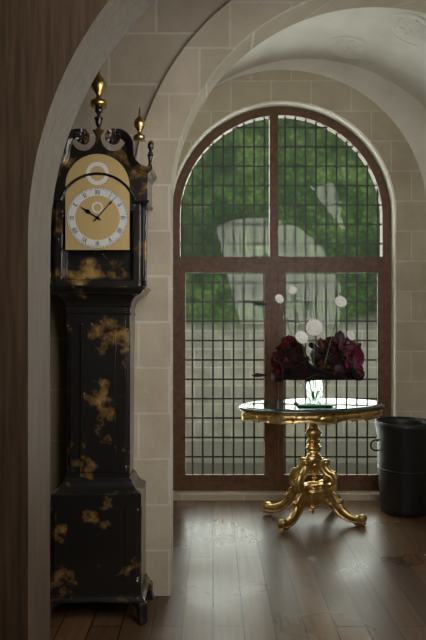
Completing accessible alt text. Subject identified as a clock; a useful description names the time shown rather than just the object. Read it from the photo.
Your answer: 10:07
